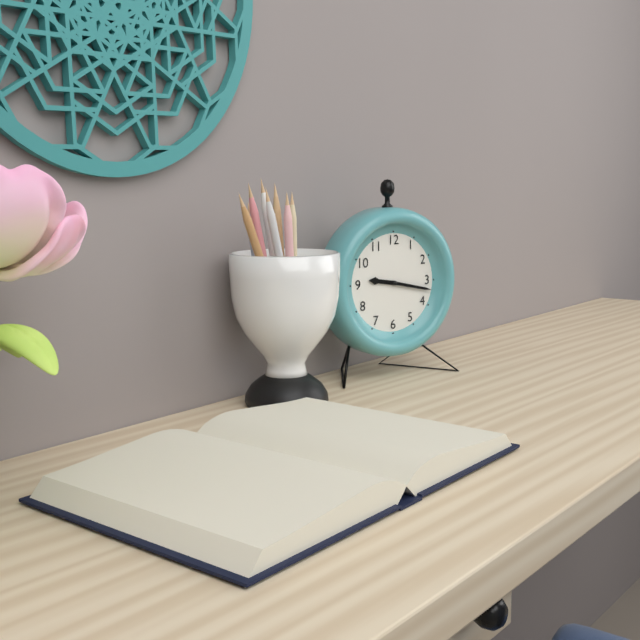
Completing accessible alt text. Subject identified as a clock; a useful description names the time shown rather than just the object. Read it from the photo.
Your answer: 9:17
